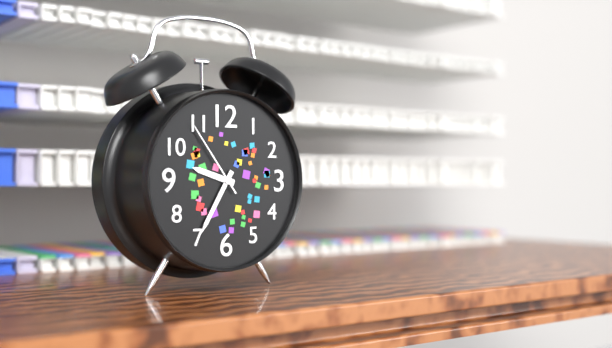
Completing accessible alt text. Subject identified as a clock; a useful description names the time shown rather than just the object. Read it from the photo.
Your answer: 9:35:54
